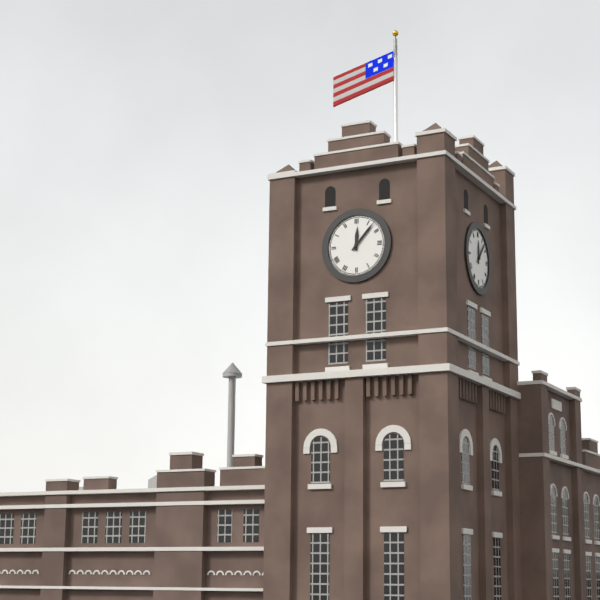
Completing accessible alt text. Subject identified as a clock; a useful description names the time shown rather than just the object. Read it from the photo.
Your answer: 12:07
